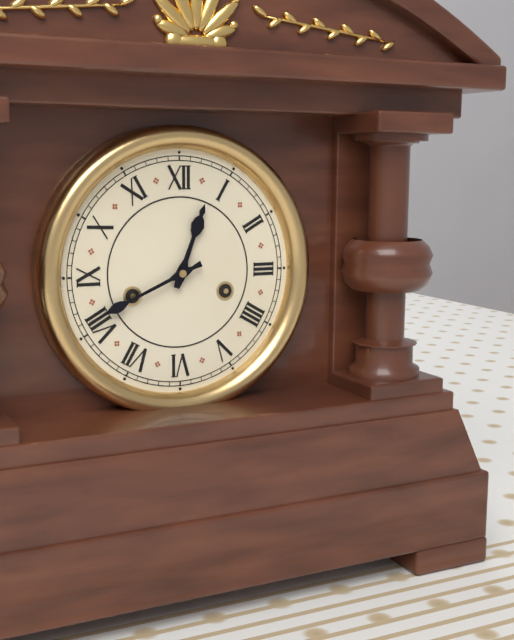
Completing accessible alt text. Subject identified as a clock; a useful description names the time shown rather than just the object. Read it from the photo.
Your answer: 12:41
